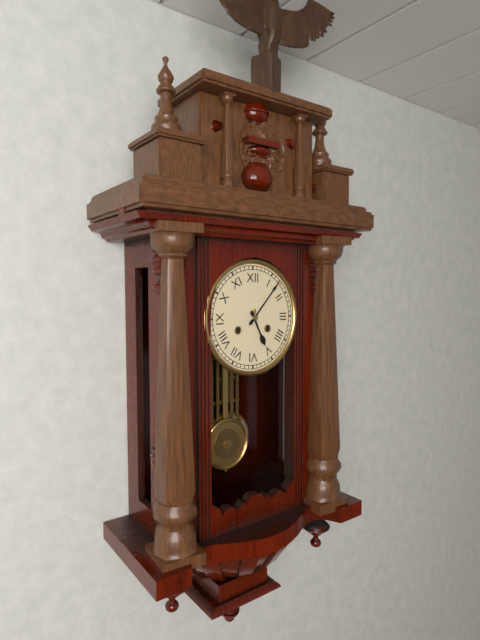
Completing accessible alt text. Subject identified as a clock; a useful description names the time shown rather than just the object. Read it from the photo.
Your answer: 5:07
